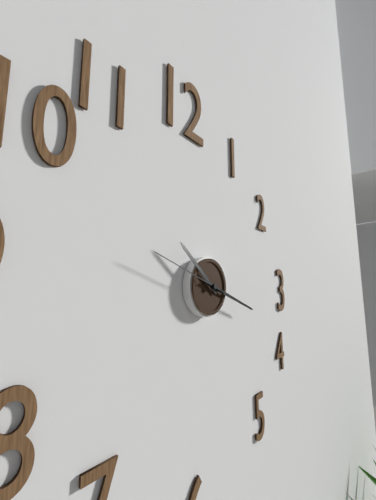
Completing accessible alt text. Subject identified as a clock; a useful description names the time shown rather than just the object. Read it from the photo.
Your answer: 10:18:48
